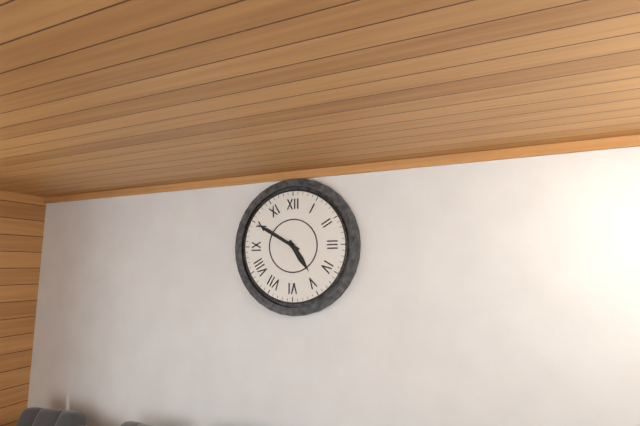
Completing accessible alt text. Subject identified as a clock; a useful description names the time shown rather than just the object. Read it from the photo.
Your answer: 4:50
